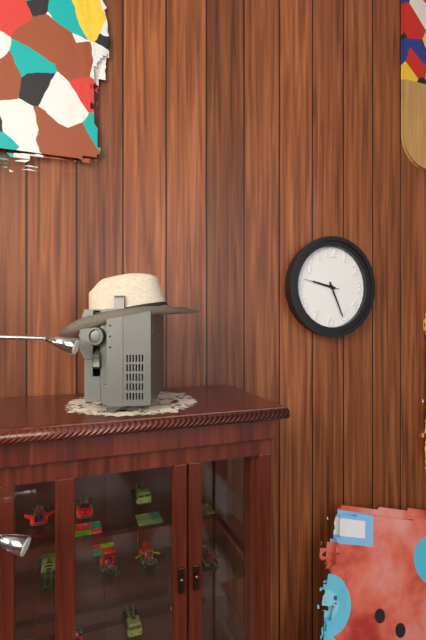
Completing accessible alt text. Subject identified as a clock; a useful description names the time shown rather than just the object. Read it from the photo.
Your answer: 9:26
